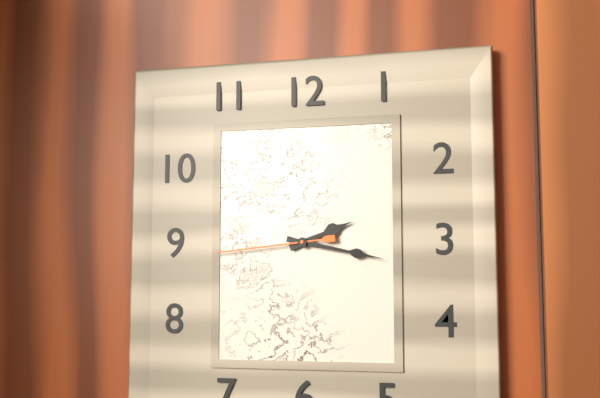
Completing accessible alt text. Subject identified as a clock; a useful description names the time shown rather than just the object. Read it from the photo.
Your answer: 2:17:44
